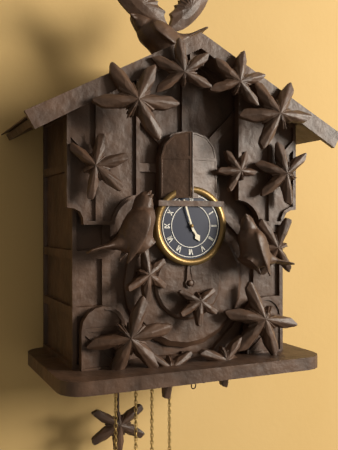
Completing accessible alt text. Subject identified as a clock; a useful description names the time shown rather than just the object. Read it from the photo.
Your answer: 4:57
